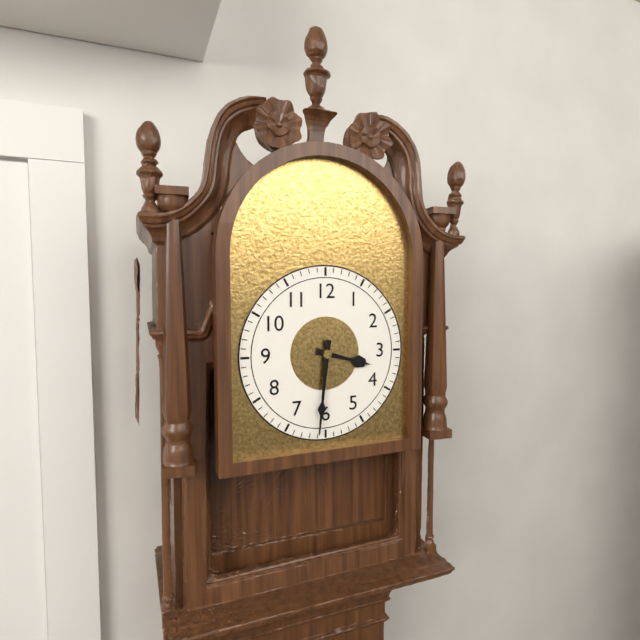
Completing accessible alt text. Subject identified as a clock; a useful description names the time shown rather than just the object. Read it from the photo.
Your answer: 3:31
